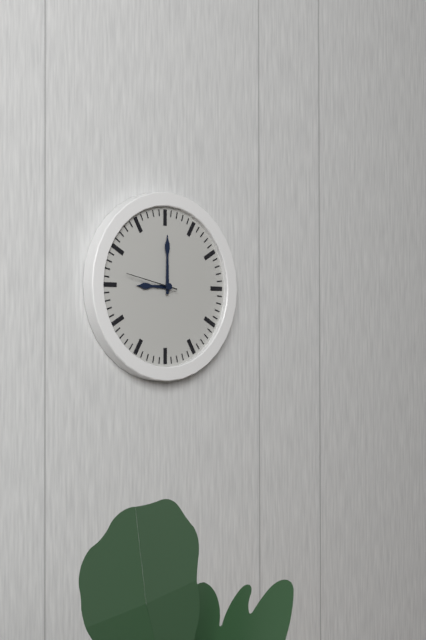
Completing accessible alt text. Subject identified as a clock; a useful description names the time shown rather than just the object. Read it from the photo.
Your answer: 9:00:47
